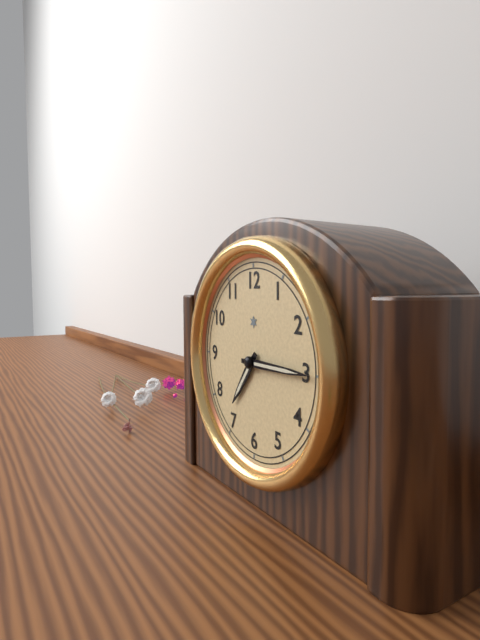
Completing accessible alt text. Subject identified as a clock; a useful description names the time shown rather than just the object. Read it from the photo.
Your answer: 7:15
